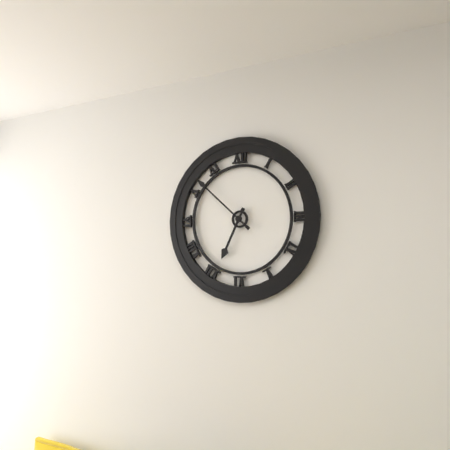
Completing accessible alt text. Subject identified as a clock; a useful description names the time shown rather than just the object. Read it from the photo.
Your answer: 6:52
